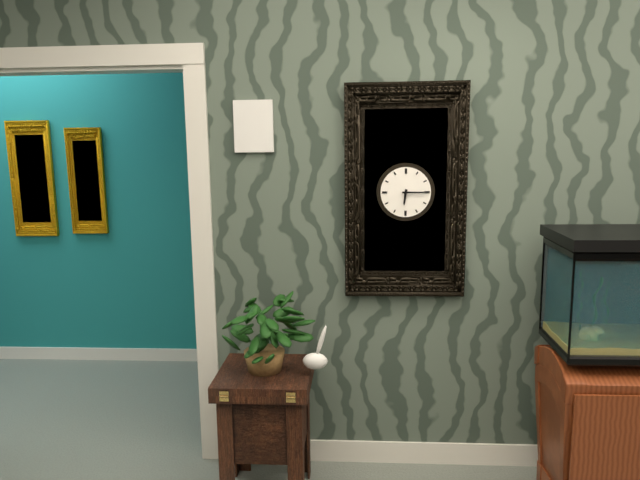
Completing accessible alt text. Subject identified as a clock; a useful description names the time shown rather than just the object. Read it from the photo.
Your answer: 6:15
